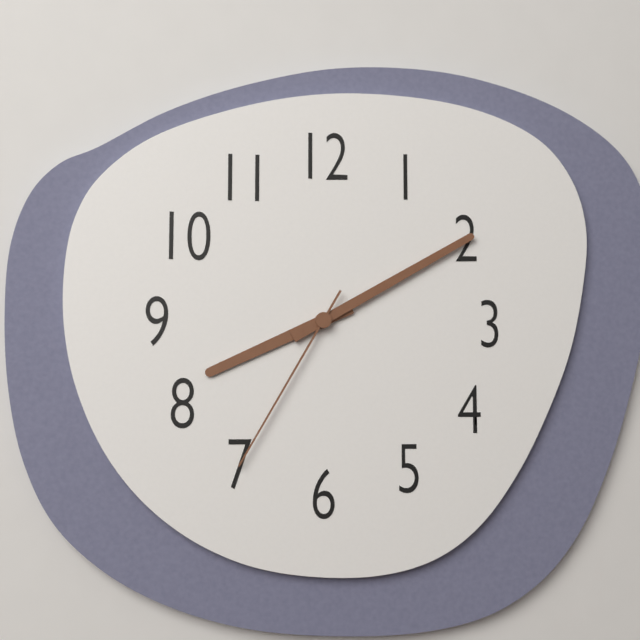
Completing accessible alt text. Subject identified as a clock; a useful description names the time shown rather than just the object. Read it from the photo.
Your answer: 8:10:35
